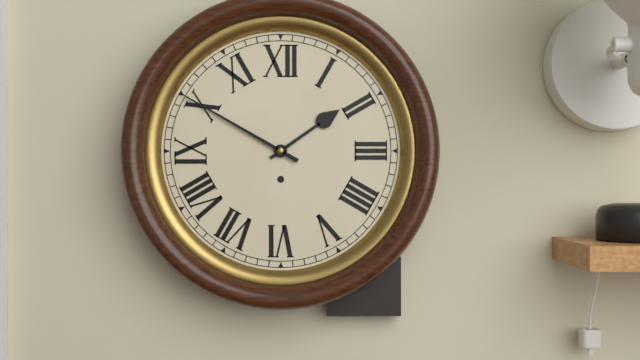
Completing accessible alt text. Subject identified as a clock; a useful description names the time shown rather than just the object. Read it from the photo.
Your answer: 1:50
